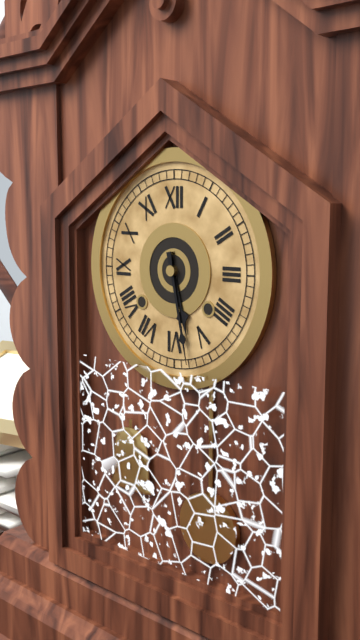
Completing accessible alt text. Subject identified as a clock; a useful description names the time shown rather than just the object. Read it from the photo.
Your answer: 5:28
